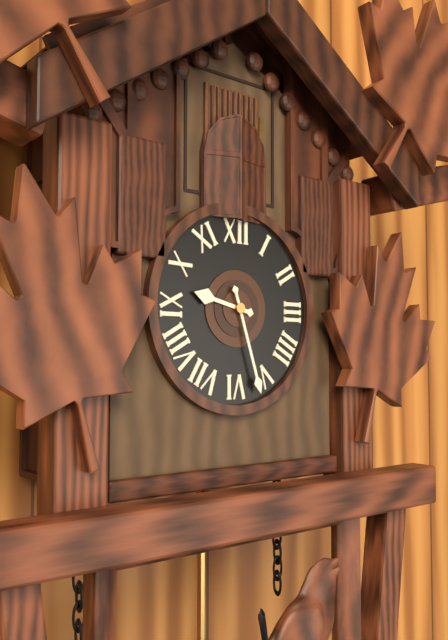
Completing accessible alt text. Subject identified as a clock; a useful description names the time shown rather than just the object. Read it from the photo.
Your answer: 9:27
